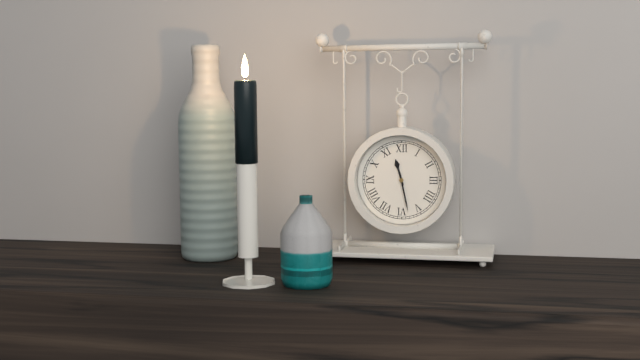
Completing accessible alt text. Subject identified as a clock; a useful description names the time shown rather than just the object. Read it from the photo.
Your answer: 11:28
